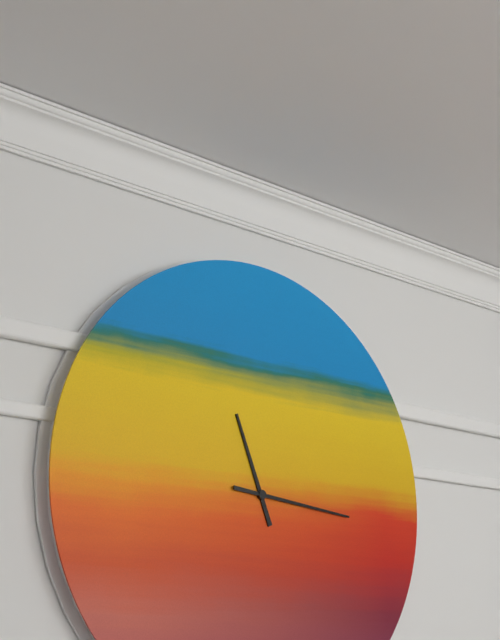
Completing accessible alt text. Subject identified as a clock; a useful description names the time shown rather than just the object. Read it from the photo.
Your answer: 11:16
